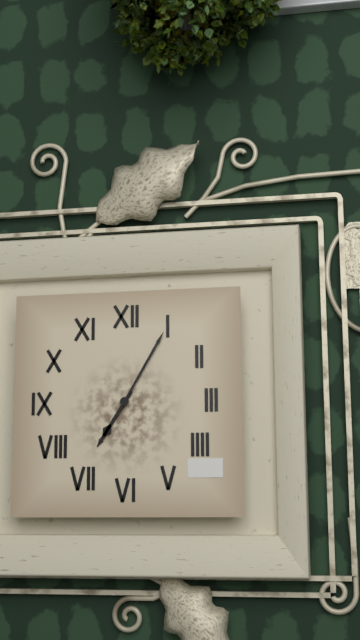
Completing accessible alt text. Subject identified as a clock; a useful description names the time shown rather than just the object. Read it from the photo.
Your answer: 7:05
